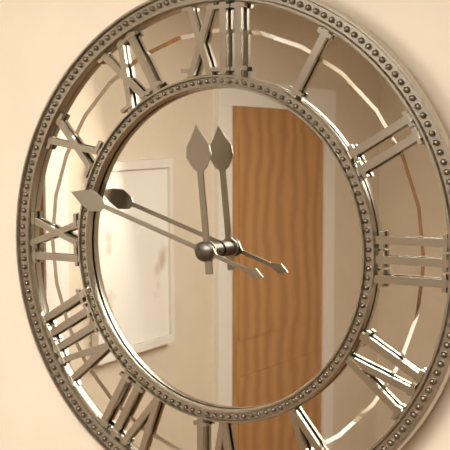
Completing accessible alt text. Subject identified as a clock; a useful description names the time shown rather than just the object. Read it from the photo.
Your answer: 11:48
